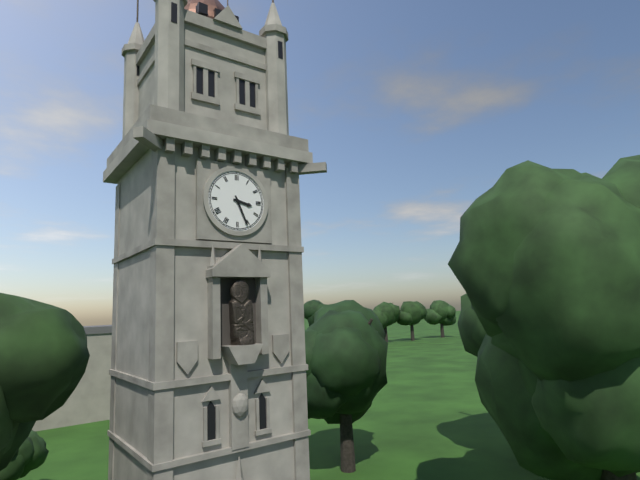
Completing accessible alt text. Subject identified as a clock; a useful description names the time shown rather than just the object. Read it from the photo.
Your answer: 3:26
